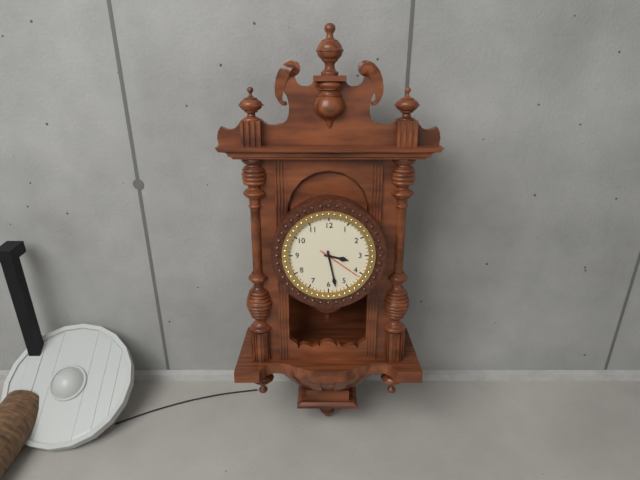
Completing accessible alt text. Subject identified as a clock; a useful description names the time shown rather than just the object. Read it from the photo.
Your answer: 3:28
